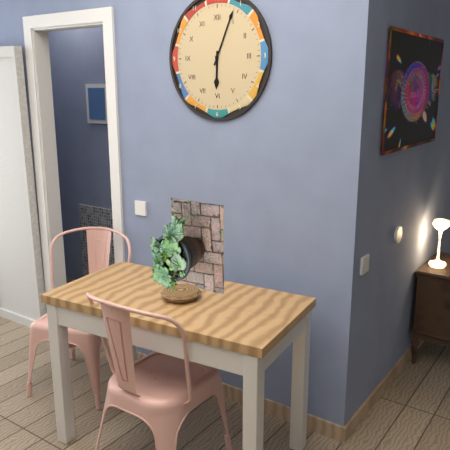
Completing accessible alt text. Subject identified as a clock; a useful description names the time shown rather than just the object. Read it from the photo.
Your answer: 6:04
